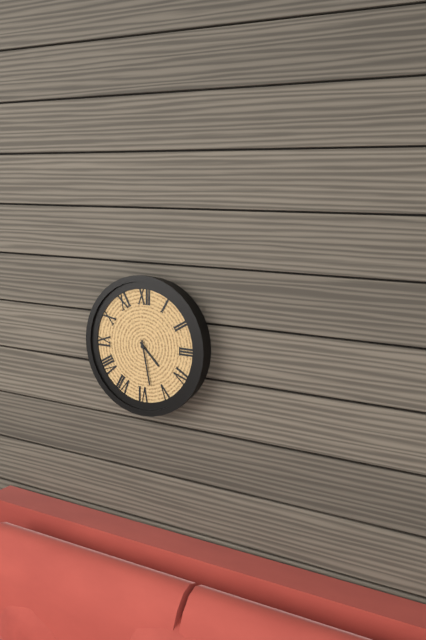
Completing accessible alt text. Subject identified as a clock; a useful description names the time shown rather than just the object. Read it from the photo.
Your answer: 4:28
